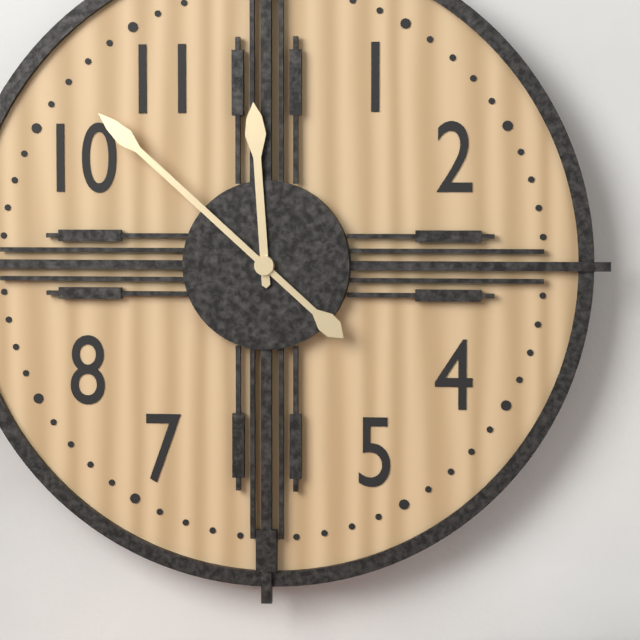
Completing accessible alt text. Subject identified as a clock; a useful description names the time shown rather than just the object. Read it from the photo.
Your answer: 11:52
